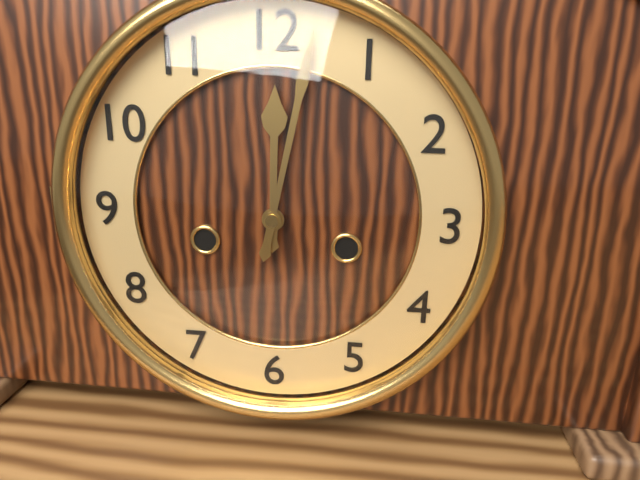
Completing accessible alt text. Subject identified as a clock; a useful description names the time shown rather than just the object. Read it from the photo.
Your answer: 12:02
